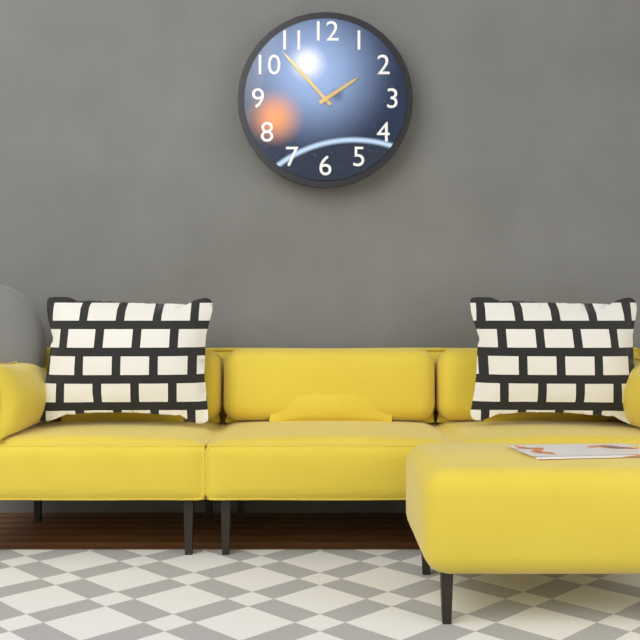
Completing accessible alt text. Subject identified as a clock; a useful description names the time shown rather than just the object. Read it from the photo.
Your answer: 1:53
